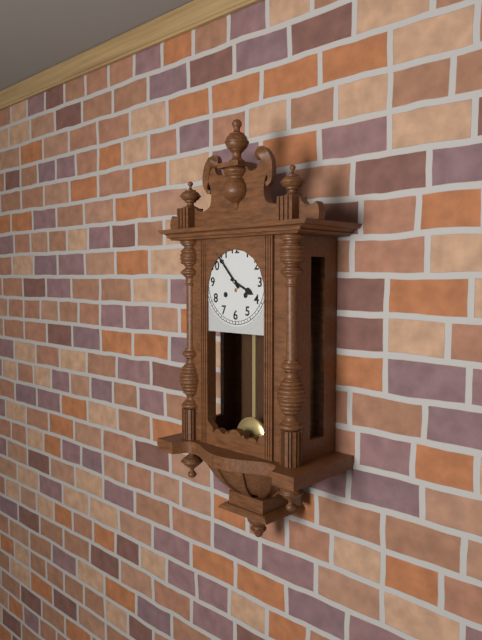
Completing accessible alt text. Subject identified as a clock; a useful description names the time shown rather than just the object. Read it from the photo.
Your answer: 3:53
